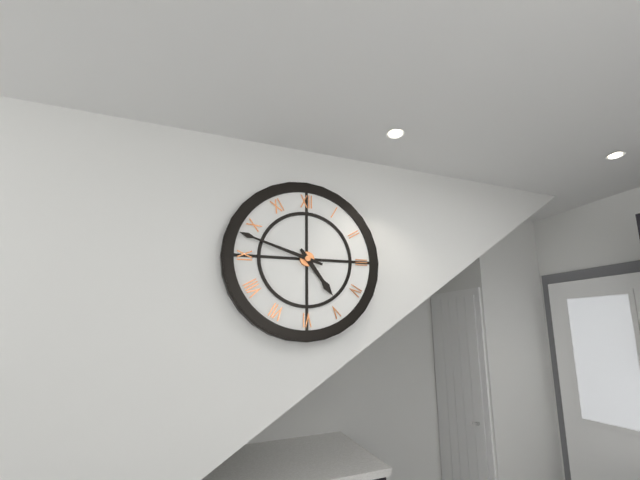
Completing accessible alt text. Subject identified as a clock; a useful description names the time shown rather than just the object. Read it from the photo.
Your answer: 4:48
